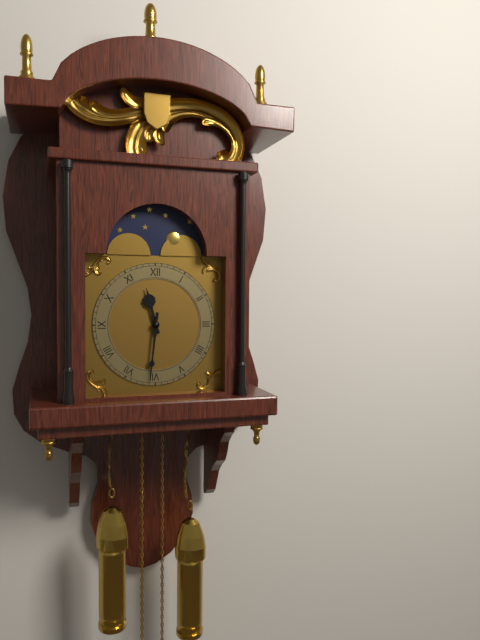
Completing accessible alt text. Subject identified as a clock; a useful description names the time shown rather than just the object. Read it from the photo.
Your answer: 11:31
